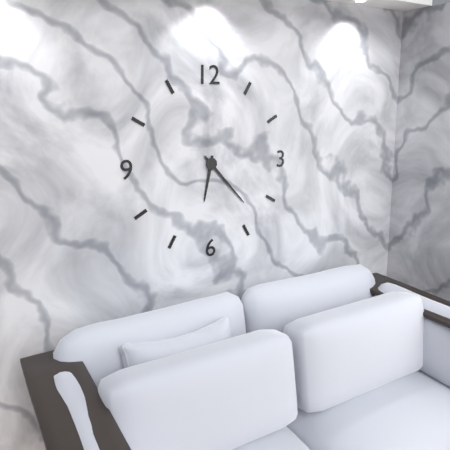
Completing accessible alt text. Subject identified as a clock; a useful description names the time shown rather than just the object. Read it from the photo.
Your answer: 6:23
